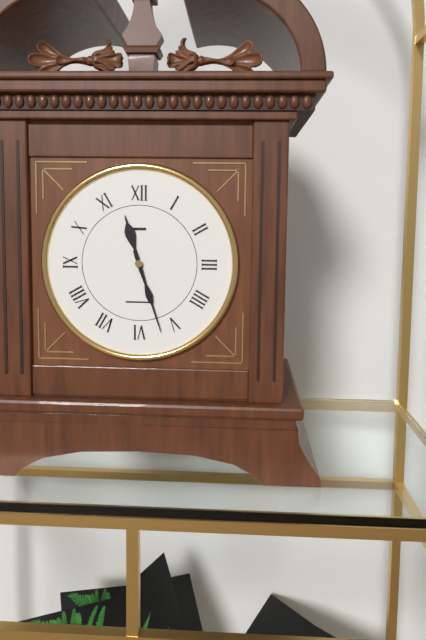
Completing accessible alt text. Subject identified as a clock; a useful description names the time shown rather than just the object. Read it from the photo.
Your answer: 11:27
